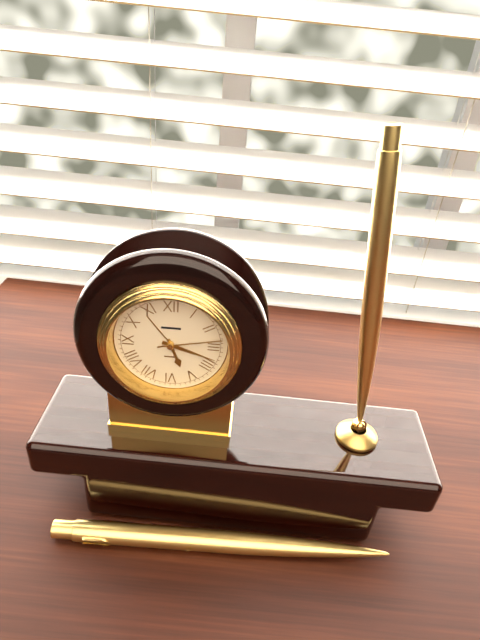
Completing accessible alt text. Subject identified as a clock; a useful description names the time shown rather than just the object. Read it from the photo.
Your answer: 5:18:13
